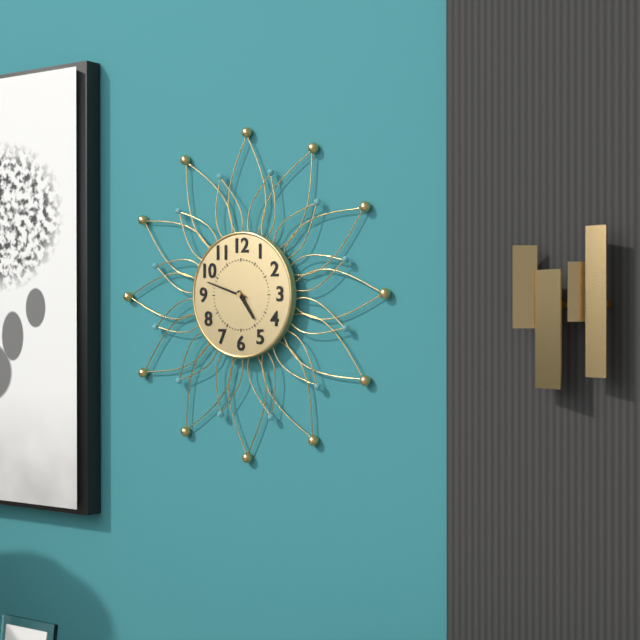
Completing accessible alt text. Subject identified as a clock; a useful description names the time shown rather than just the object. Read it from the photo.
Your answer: 4:48
